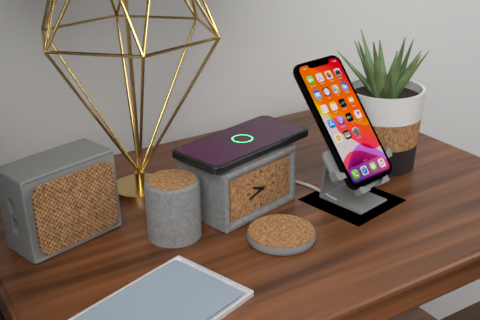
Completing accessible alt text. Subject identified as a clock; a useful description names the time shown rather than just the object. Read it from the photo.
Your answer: 9:42
